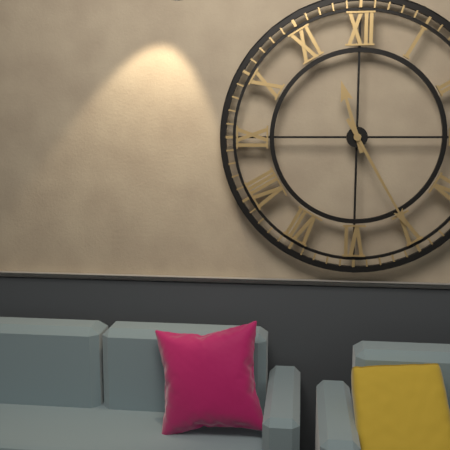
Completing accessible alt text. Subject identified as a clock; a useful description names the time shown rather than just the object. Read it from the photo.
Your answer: 11:25
